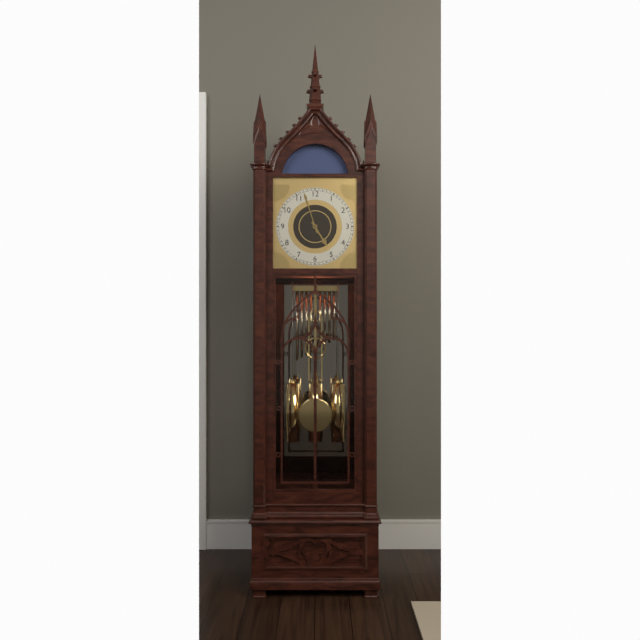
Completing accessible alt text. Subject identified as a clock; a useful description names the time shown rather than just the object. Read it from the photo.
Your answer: 4:57
